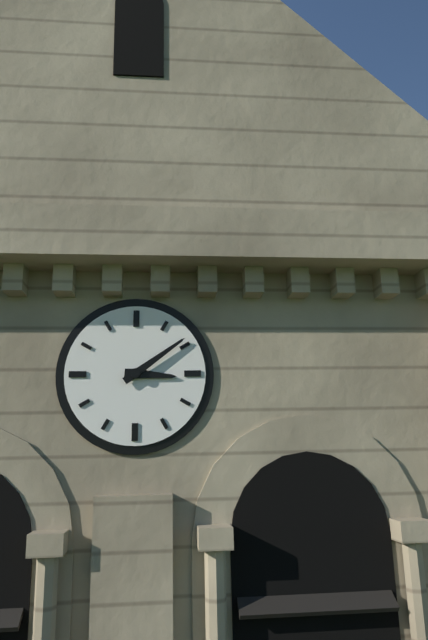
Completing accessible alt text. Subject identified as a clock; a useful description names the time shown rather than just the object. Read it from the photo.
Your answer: 3:09
